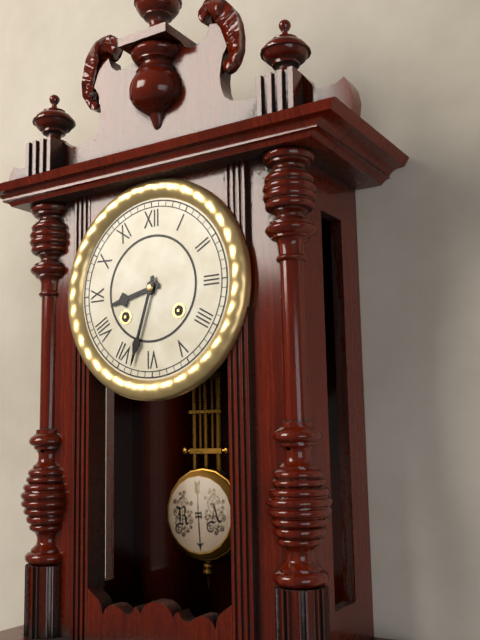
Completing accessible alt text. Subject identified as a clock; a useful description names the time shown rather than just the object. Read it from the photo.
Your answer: 8:33
